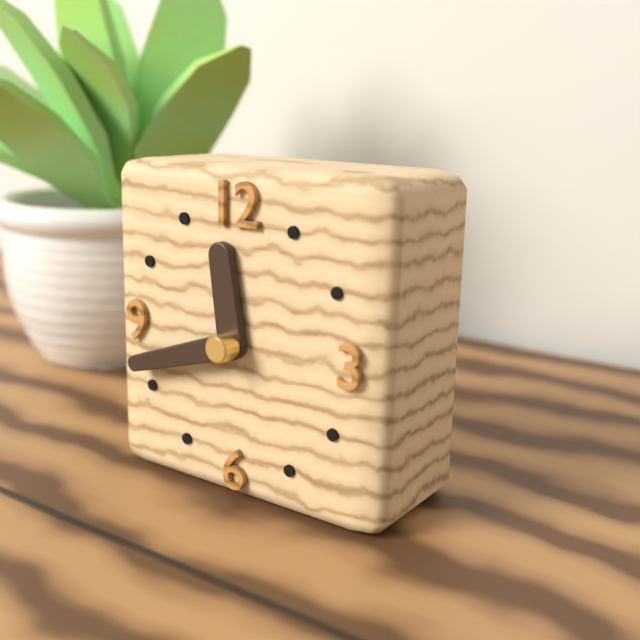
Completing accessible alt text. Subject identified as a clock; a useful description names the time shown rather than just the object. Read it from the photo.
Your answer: 11:42
